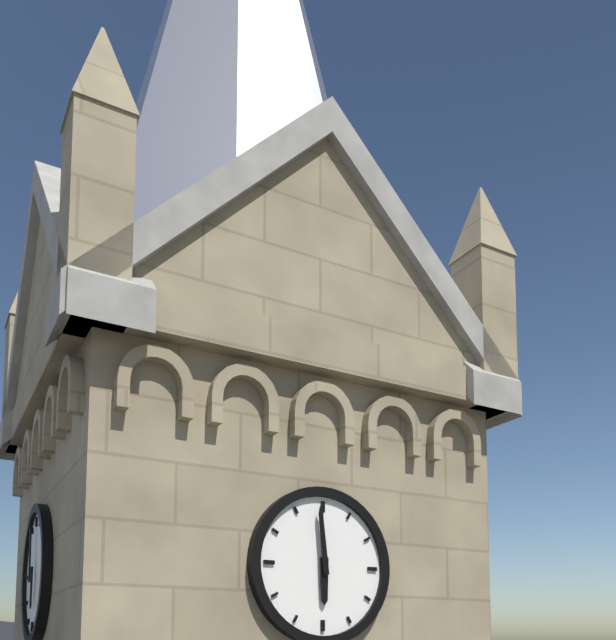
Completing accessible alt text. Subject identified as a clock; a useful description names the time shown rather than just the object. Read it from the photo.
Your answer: 5:59
